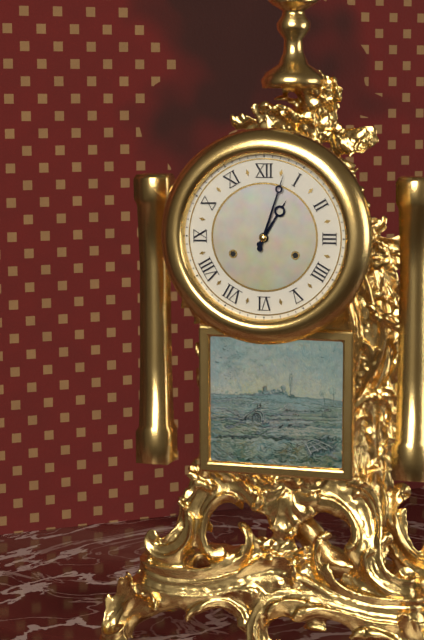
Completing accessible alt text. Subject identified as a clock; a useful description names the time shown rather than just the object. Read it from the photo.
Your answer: 1:03
